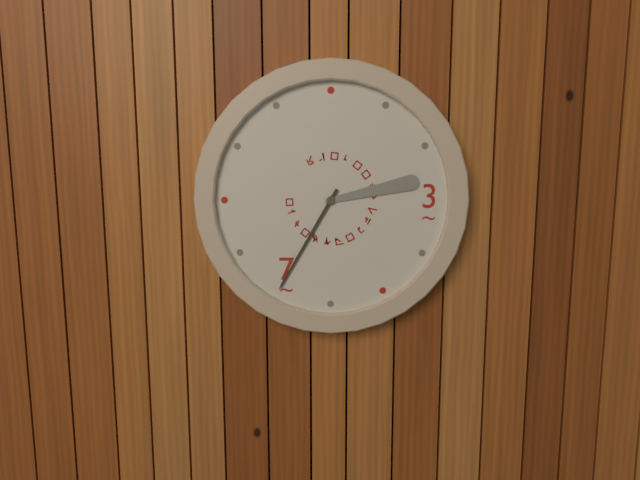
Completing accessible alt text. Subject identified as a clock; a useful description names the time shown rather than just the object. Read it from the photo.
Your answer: 2:35
